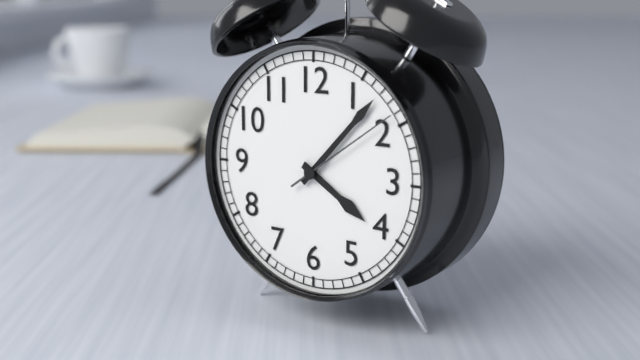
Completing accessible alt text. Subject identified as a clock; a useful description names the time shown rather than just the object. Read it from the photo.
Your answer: 4:07:09
